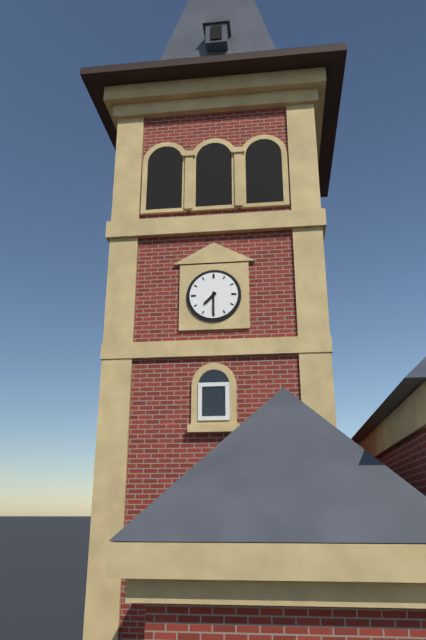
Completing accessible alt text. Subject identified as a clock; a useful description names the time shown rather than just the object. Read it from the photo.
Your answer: 7:30
